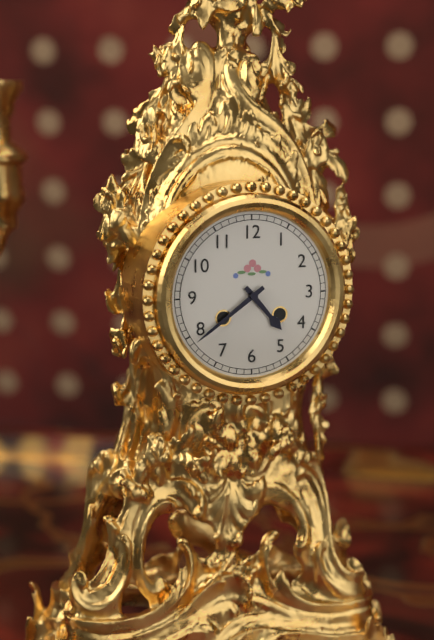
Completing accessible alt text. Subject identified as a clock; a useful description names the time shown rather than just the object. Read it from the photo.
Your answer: 4:39
